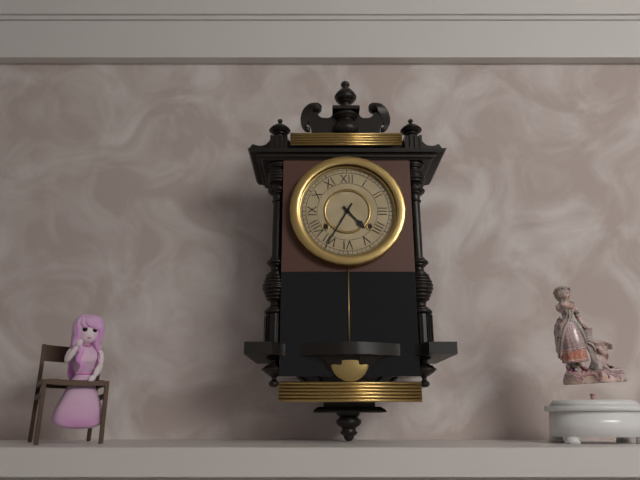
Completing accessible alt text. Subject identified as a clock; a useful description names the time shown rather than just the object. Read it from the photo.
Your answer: 4:35
